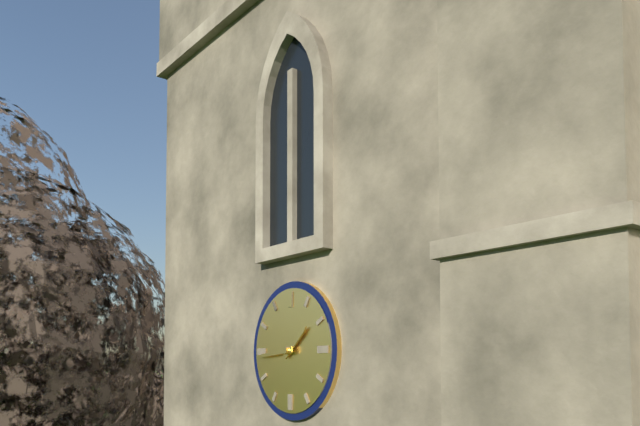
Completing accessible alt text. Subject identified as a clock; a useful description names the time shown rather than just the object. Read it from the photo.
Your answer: 1:44
